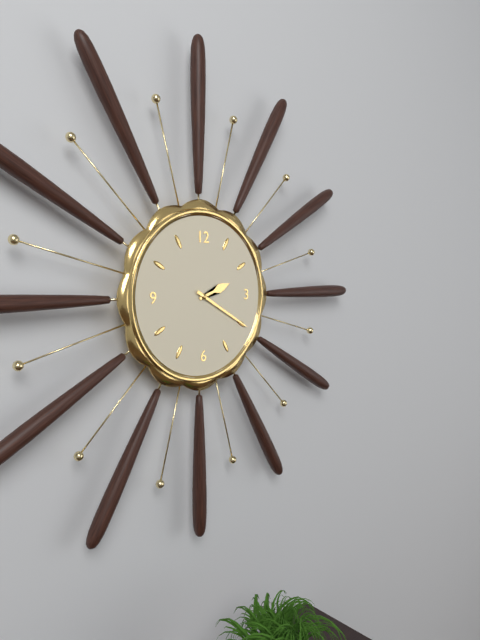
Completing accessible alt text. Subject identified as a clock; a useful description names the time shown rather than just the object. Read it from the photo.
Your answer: 2:20
